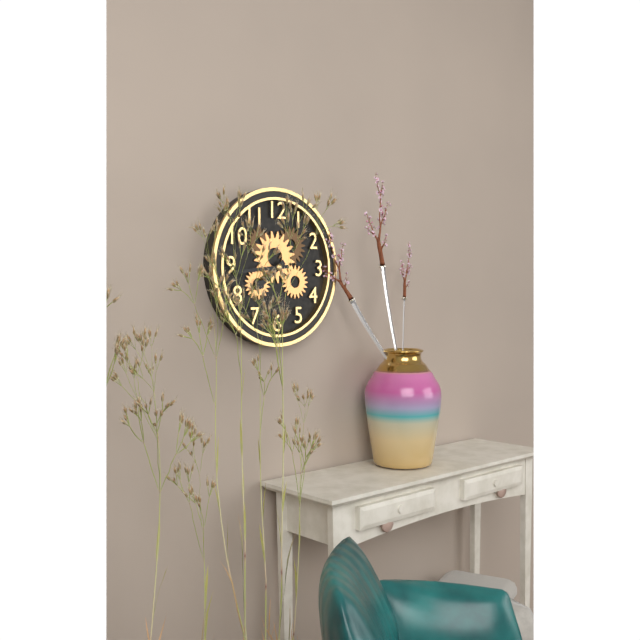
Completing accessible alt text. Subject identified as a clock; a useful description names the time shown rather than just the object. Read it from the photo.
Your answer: 7:44
